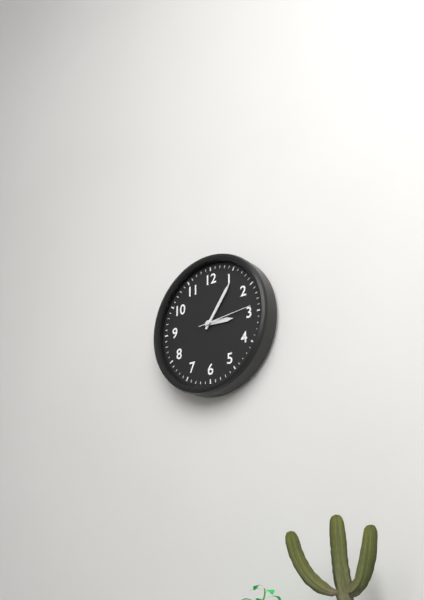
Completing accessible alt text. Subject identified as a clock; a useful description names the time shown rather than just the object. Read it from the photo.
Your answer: 3:06:14
